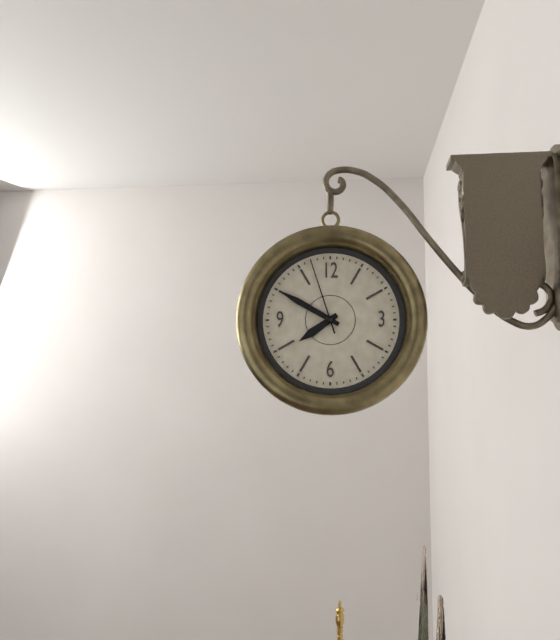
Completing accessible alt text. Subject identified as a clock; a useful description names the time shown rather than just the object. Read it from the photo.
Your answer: 7:50:57
